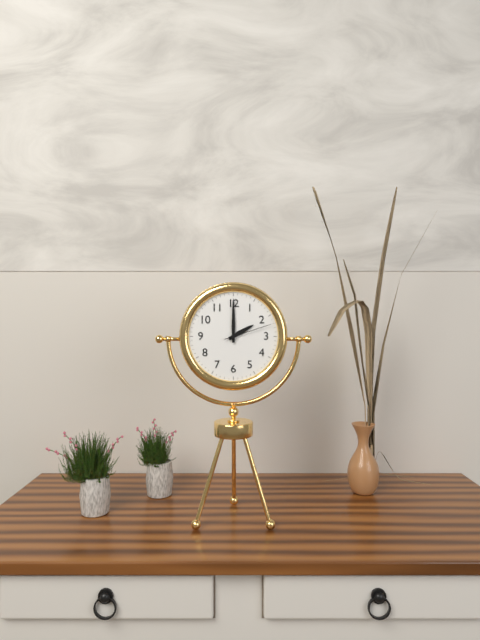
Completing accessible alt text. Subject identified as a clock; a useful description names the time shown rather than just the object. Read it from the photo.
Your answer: 2:00
